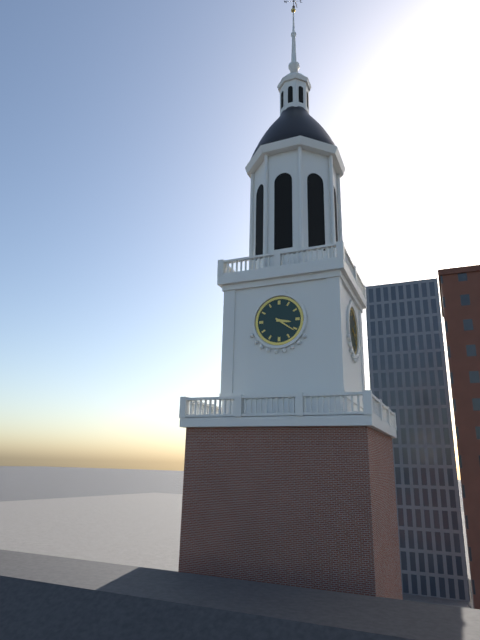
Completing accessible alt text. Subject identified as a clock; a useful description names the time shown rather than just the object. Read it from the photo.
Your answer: 3:21
